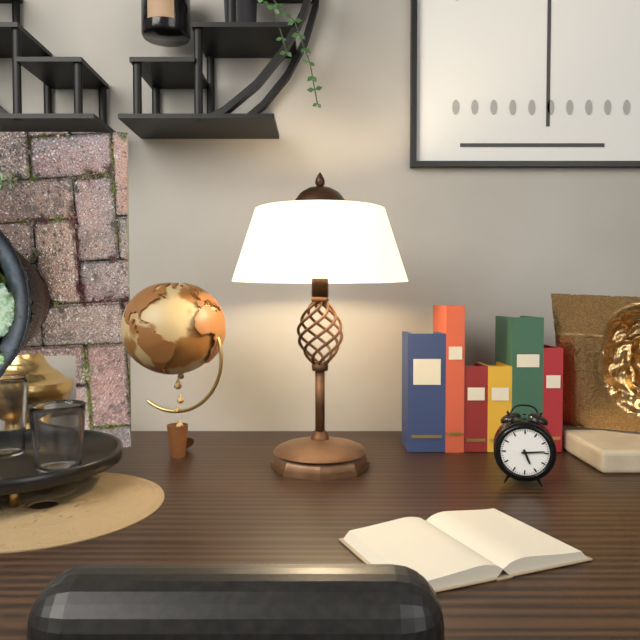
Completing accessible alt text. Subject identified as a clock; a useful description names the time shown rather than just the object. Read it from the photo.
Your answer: 5:14
